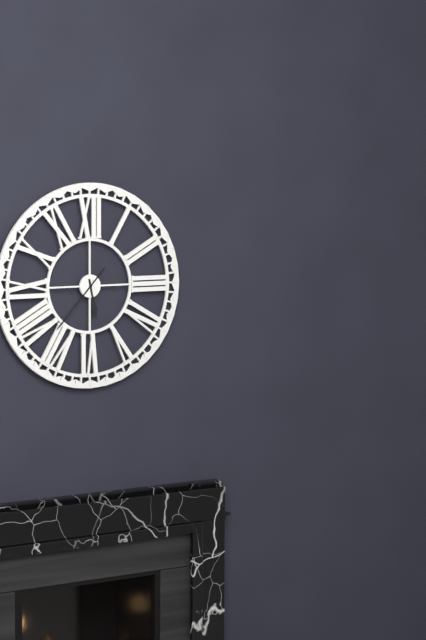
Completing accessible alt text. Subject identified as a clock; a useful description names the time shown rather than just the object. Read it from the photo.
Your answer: 5:37
